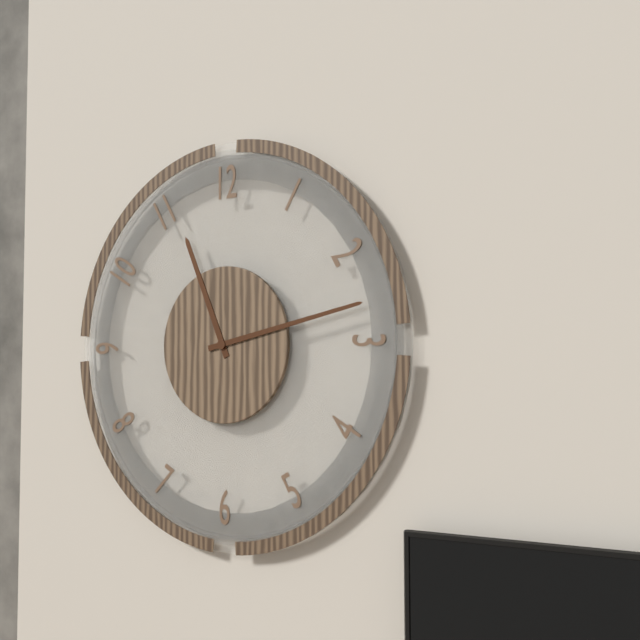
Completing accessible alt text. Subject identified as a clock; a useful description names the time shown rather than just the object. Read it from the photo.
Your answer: 11:13
